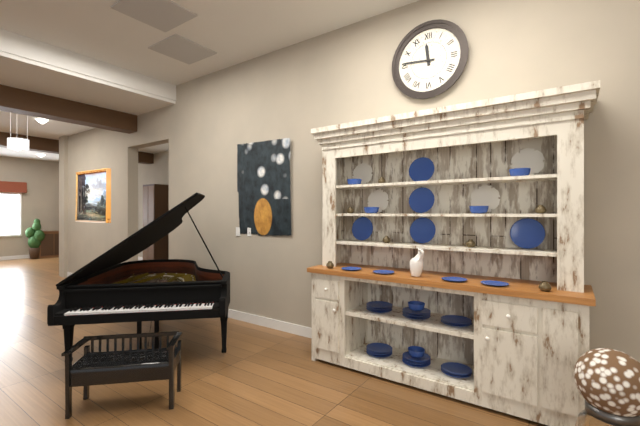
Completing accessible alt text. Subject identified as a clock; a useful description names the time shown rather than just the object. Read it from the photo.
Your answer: 11:46
